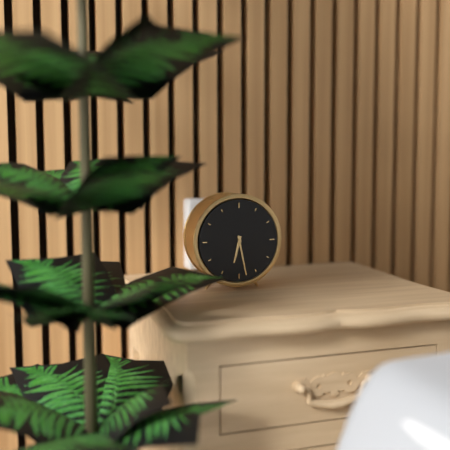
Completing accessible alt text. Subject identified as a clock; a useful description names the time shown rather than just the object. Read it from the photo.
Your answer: 6:28
